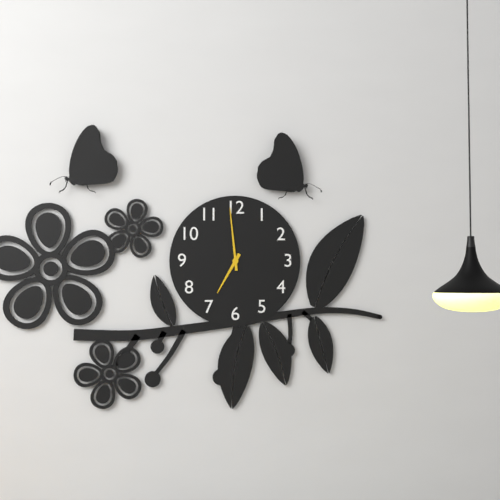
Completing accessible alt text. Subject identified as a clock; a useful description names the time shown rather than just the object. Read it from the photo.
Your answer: 6:59
